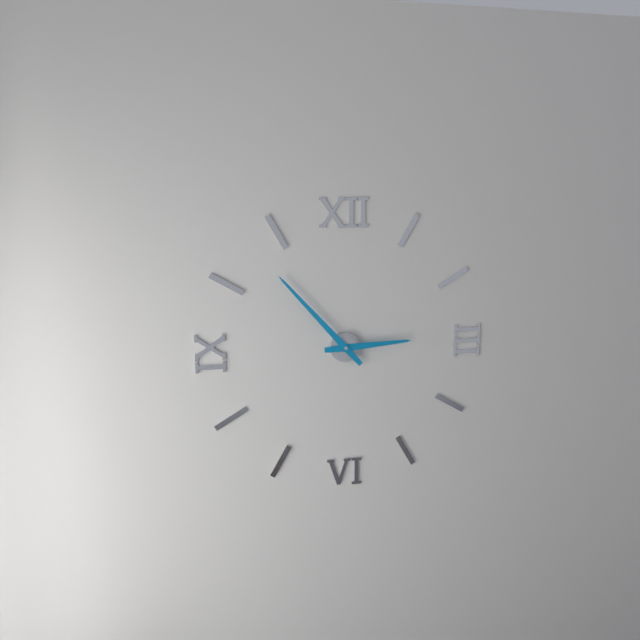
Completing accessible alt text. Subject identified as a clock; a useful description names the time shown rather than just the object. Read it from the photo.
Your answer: 2:53
